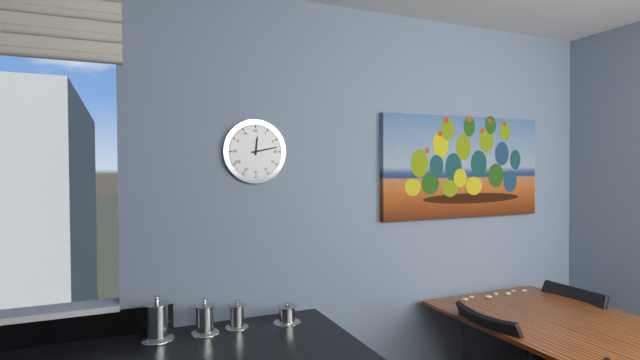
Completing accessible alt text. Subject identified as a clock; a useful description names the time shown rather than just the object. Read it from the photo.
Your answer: 12:13
